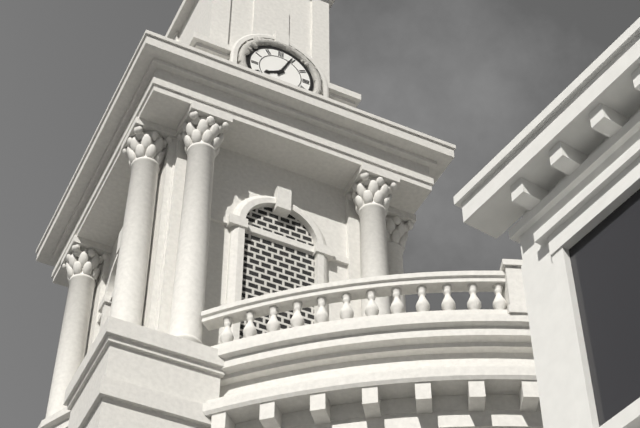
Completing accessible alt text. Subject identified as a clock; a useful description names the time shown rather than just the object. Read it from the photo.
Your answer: 8:04
